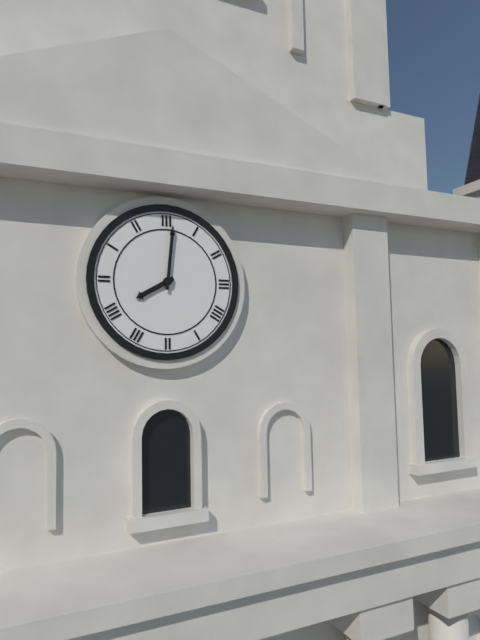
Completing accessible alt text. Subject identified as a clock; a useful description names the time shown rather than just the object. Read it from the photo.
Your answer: 8:01
